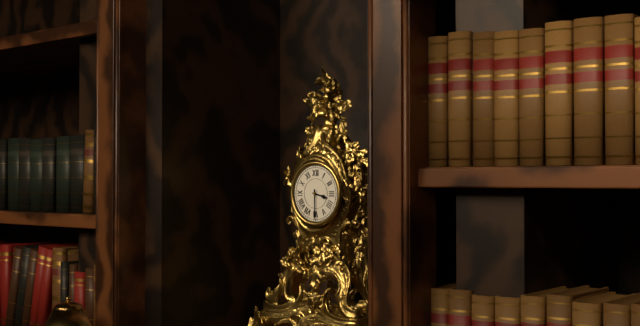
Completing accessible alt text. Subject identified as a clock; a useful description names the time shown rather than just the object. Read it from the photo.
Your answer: 3:30
